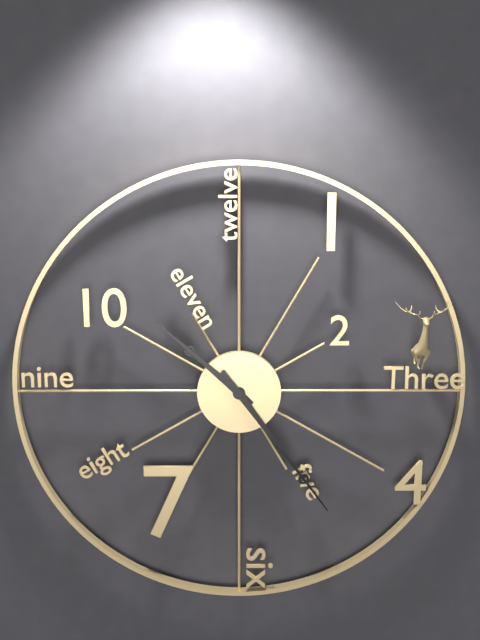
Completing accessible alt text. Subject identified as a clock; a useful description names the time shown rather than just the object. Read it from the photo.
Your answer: 10:24
